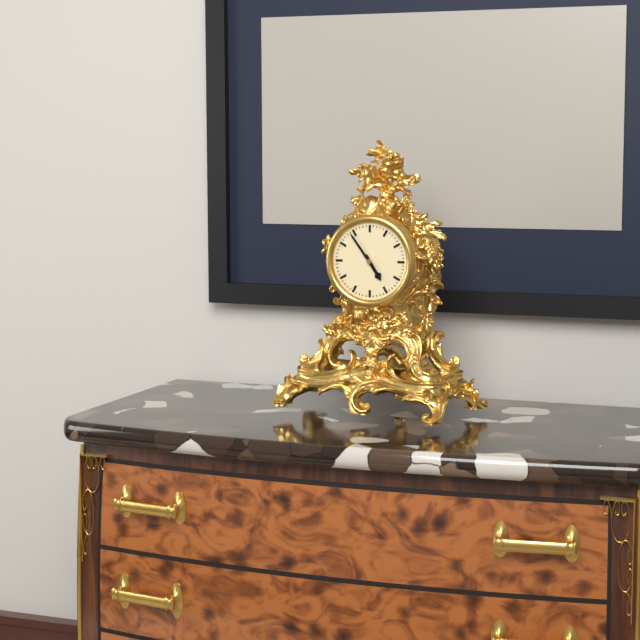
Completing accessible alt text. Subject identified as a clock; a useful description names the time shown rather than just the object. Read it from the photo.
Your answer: 4:54
